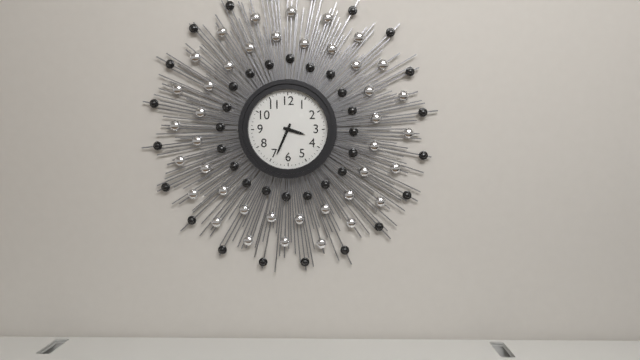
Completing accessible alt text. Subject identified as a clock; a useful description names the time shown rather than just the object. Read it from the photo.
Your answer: 3:34
